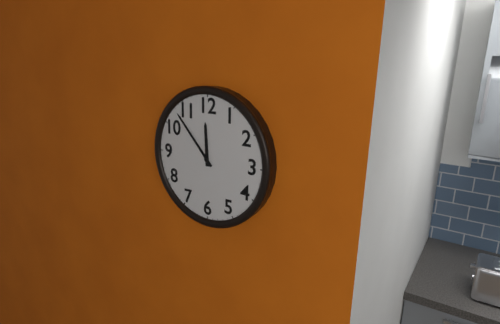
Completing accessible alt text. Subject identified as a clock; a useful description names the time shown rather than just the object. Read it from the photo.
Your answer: 11:53
